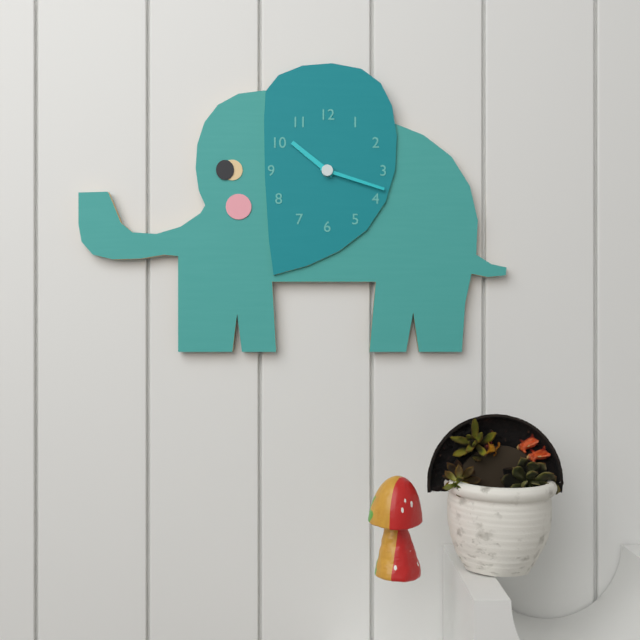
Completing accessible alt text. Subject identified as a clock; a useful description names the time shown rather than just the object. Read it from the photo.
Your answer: 10:18
